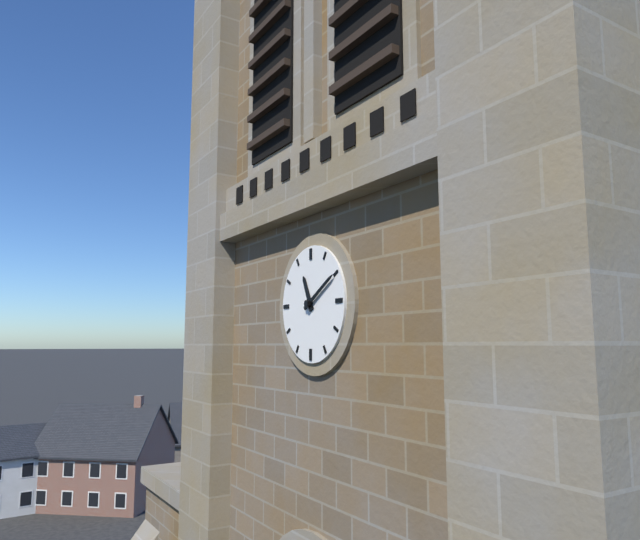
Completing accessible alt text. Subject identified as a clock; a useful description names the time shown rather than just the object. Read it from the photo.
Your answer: 11:10
